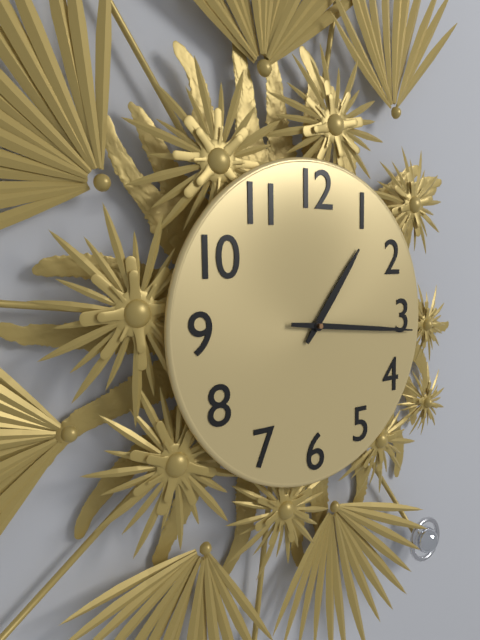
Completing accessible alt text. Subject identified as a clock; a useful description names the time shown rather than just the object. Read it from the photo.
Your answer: 1:16
